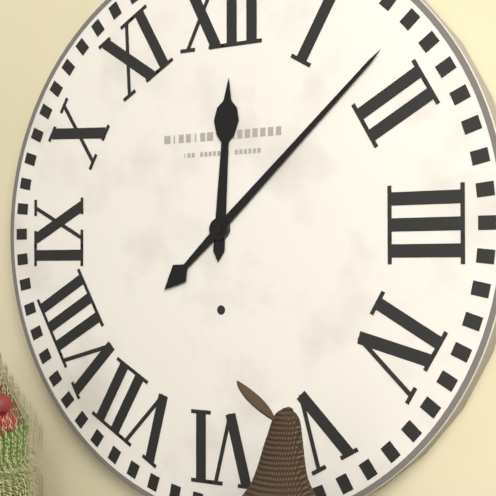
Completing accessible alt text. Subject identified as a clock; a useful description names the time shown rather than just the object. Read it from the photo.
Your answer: 12:08
